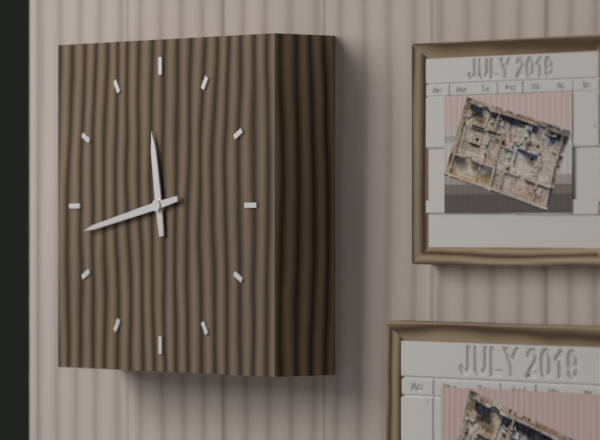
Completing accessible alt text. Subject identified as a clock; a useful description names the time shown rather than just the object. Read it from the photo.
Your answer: 11:43
